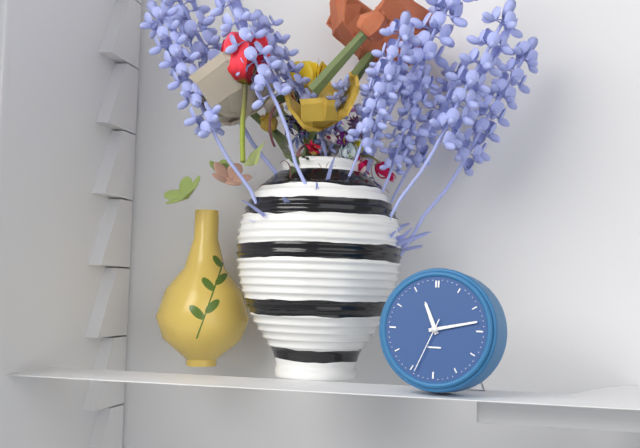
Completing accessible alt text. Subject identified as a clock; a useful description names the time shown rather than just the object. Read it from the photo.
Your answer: 11:13:34
